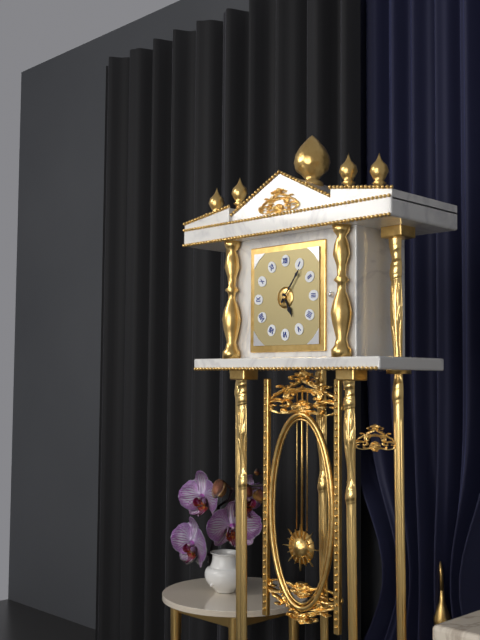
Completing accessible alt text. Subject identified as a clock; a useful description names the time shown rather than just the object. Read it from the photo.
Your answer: 5:06
